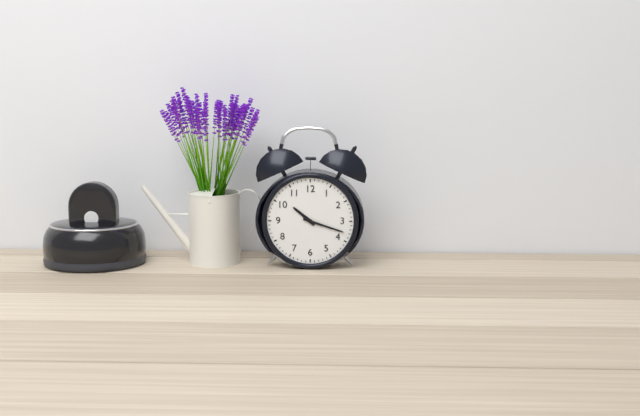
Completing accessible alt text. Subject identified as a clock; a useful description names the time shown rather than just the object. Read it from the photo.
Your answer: 10:18
